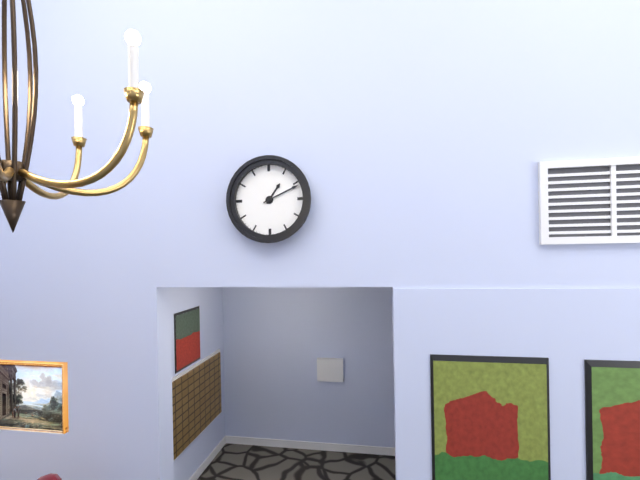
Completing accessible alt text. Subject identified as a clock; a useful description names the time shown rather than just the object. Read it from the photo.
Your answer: 1:11
